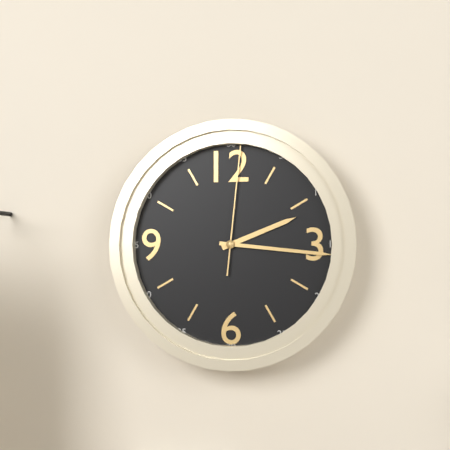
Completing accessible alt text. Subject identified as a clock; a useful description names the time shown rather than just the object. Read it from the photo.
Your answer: 2:16:01
